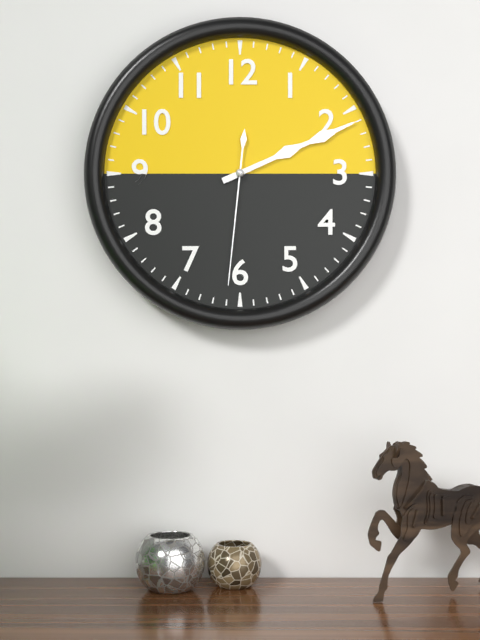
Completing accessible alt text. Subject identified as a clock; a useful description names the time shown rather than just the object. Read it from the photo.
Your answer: 2:11:31
